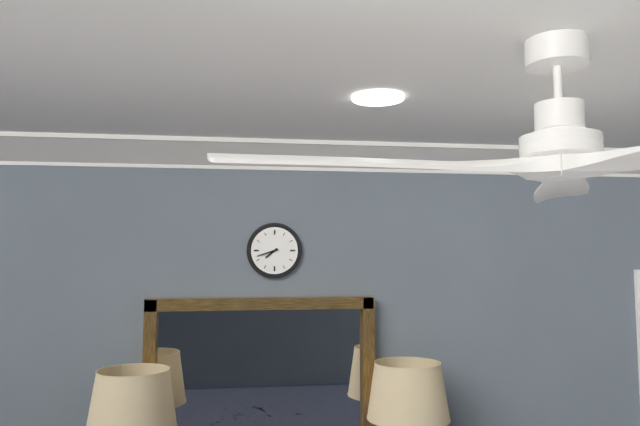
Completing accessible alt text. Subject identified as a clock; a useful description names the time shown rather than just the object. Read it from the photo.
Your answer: 7:42
